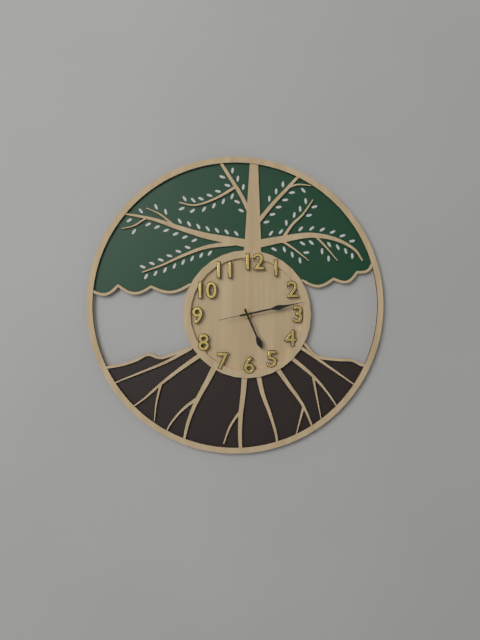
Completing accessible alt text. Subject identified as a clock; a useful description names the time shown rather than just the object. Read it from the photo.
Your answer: 5:13
